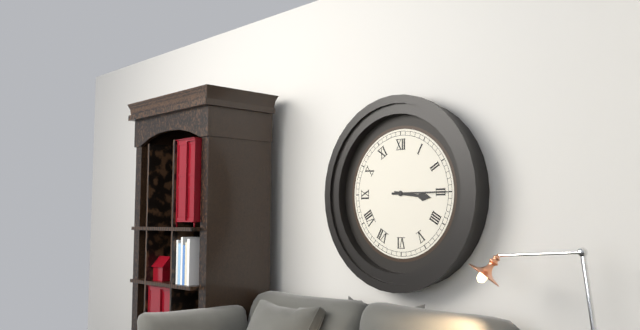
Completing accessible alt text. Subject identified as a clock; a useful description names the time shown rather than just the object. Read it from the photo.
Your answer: 3:15
